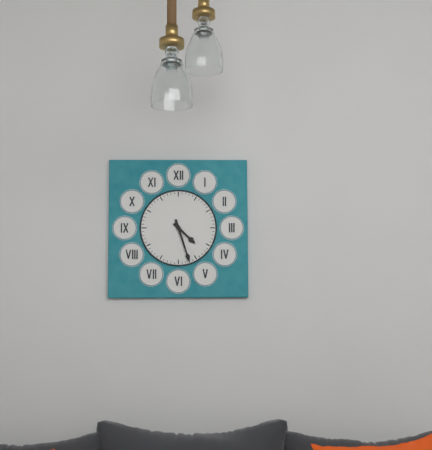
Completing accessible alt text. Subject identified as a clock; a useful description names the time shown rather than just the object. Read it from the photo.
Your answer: 4:27
